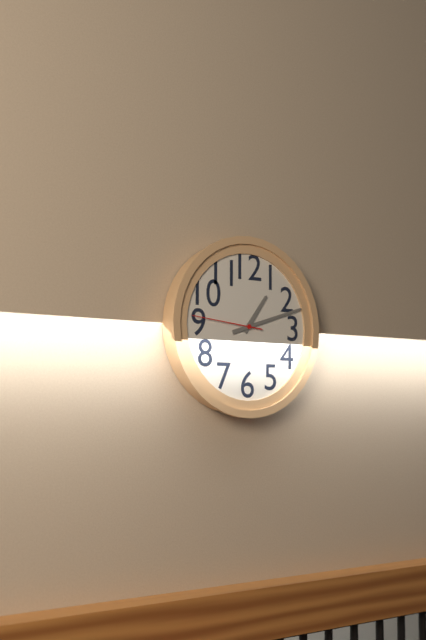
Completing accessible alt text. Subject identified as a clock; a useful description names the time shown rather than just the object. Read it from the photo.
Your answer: 1:12:46
